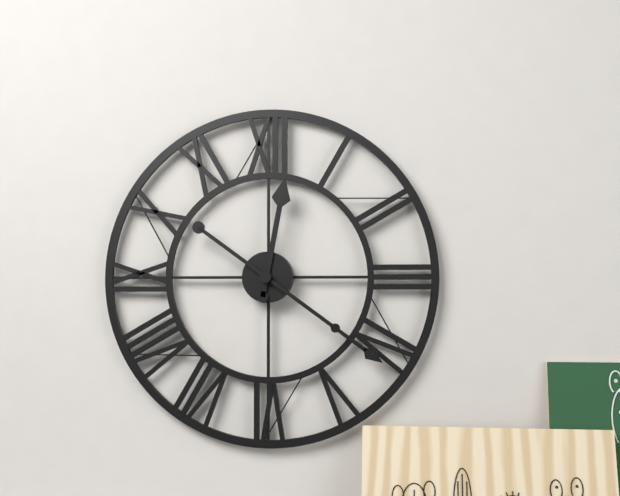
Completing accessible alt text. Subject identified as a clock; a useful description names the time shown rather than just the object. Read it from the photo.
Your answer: 12:21
